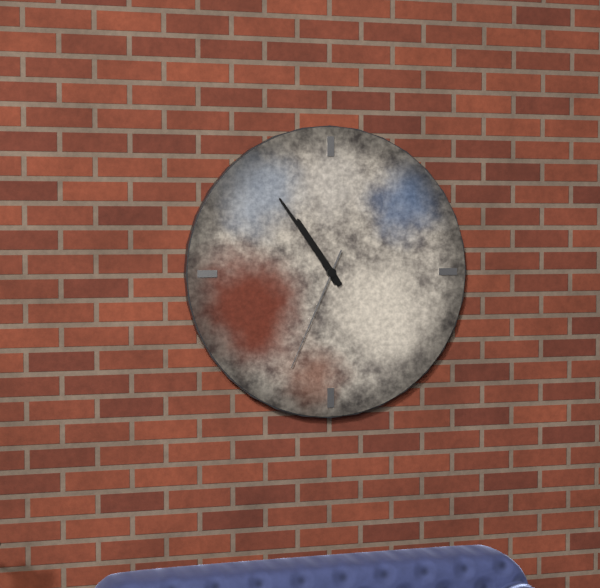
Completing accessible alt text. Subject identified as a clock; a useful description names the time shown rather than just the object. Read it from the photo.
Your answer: 10:54:34
